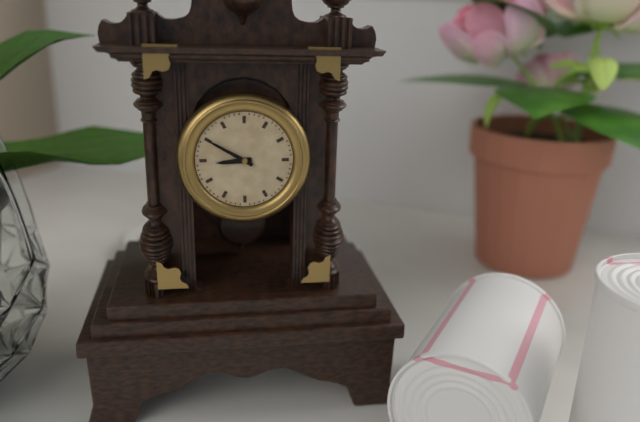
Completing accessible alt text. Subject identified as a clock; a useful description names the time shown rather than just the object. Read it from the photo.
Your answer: 8:50
